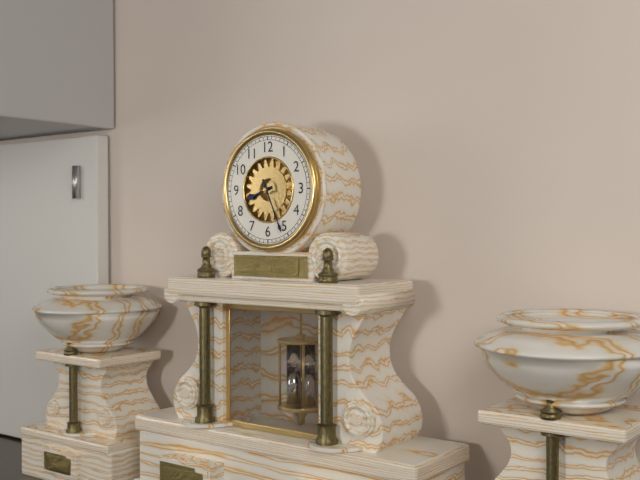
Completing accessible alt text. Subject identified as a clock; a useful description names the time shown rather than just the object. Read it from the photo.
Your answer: 8:26
